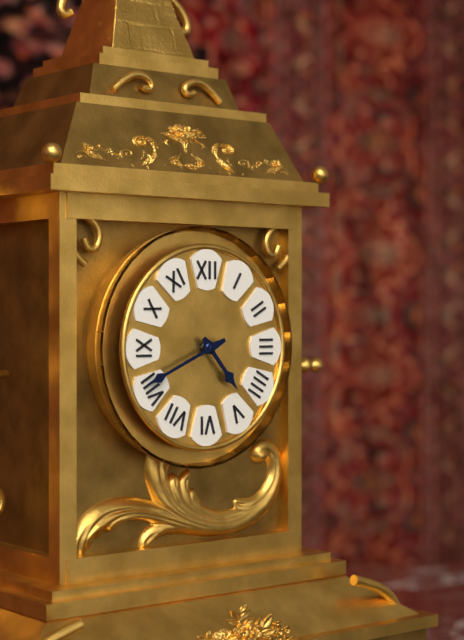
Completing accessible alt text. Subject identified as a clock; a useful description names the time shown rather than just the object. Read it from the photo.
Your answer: 4:41
